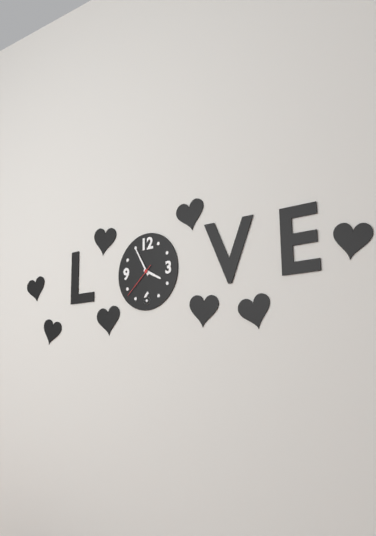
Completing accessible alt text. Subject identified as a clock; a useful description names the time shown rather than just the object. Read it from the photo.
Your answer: 3:55
